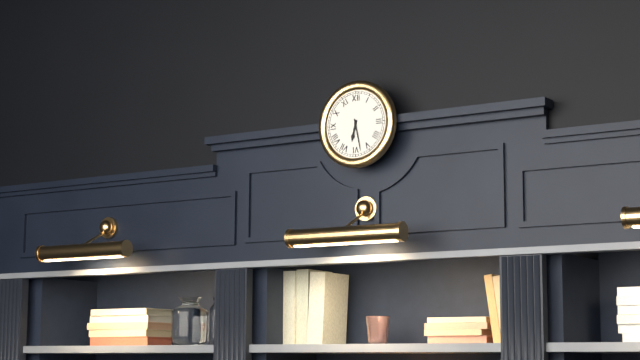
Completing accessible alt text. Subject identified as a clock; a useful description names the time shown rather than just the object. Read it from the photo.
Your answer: 6:28
